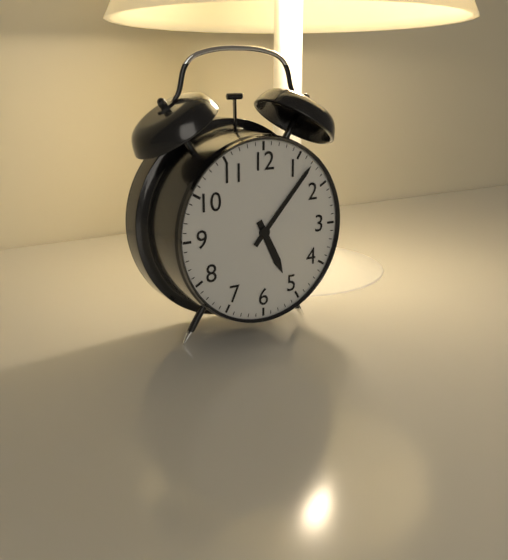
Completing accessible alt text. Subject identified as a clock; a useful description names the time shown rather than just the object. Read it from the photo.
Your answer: 5:07
